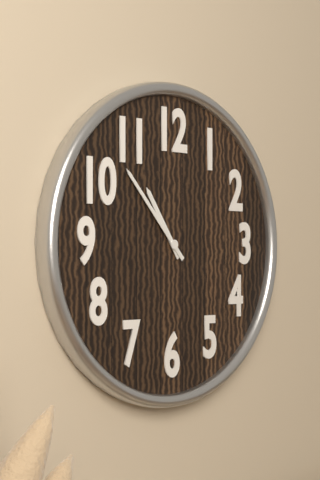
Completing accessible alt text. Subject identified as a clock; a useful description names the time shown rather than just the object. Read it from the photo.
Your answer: 10:53
